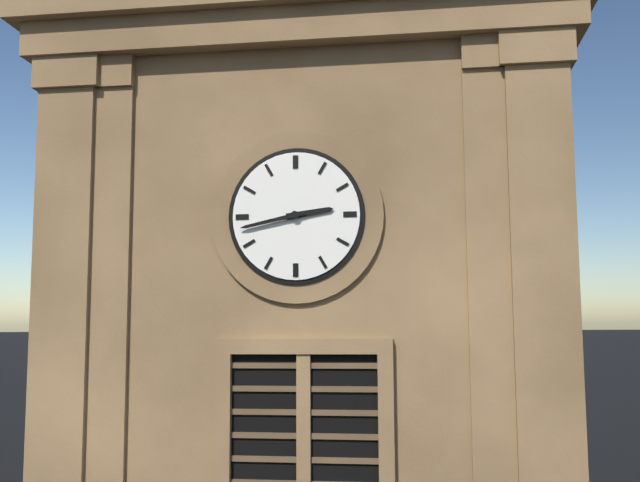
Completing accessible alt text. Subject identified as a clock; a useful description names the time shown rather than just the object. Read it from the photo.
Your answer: 2:43
